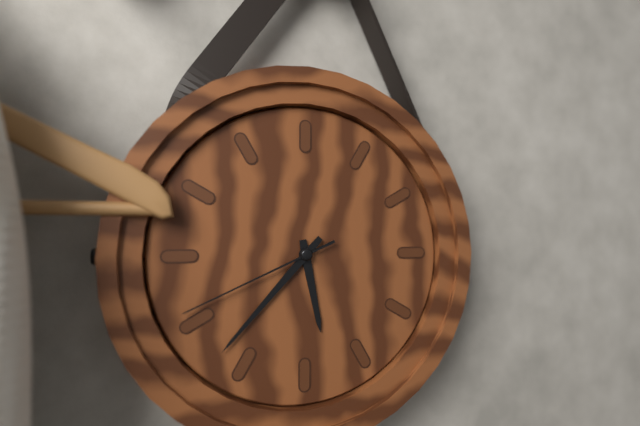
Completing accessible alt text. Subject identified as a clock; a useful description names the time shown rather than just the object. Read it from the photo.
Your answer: 5:37:41
